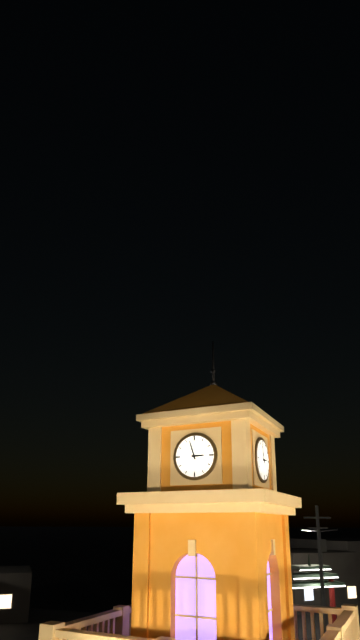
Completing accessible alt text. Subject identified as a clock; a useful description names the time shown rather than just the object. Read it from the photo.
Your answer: 2:57
